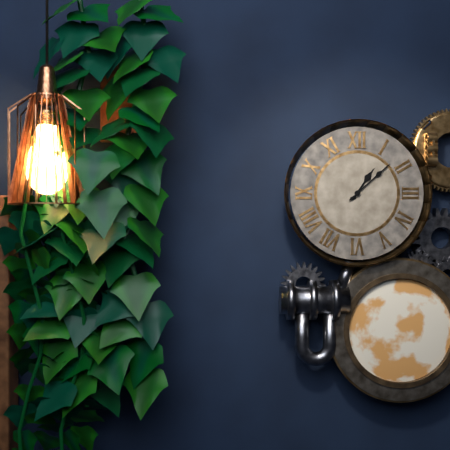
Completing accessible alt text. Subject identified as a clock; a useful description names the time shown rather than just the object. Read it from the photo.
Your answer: 1:08
